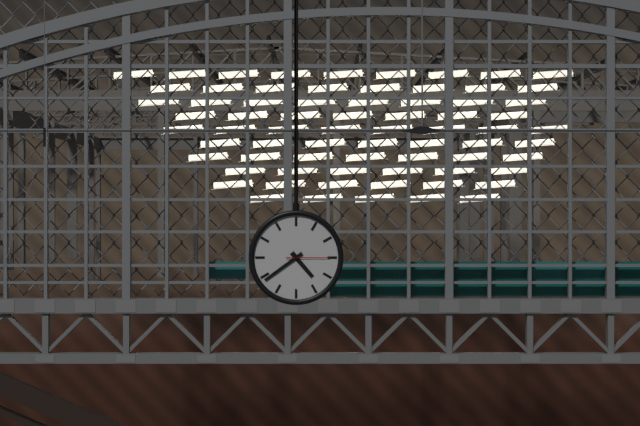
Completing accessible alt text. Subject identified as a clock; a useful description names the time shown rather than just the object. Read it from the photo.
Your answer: 4:39
